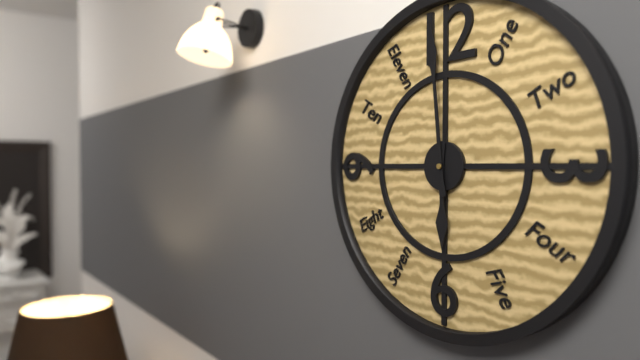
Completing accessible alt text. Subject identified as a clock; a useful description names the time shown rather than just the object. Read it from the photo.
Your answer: 5:59
